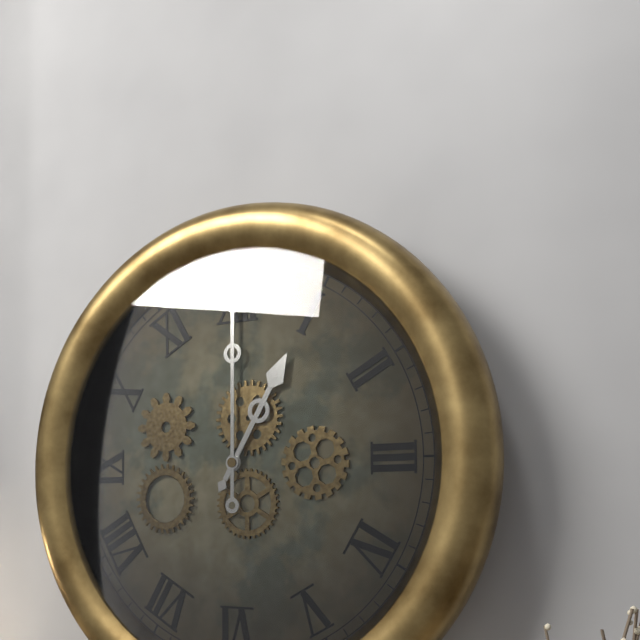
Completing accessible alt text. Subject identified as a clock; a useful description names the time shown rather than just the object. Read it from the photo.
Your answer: 1:00
